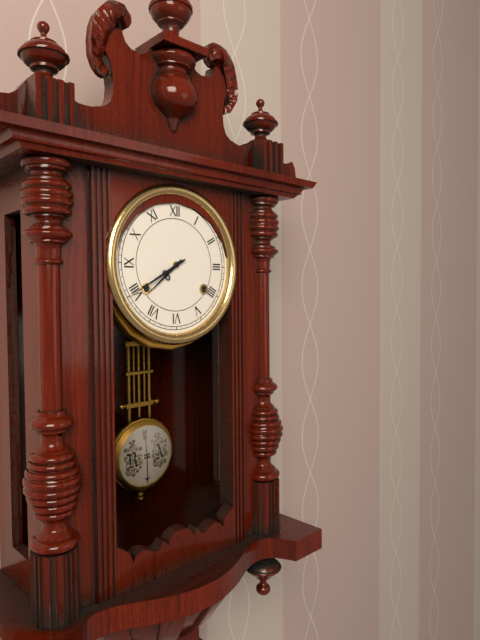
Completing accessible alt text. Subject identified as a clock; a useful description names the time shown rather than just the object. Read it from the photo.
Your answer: 7:40
